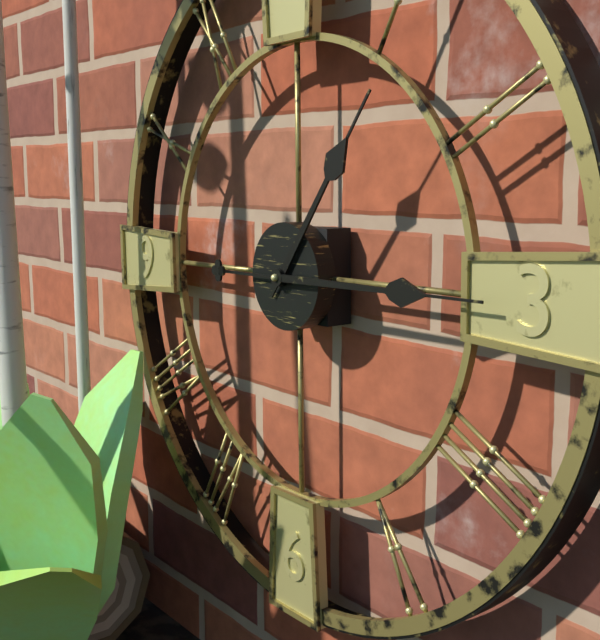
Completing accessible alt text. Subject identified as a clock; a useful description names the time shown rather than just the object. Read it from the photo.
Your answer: 1:15
